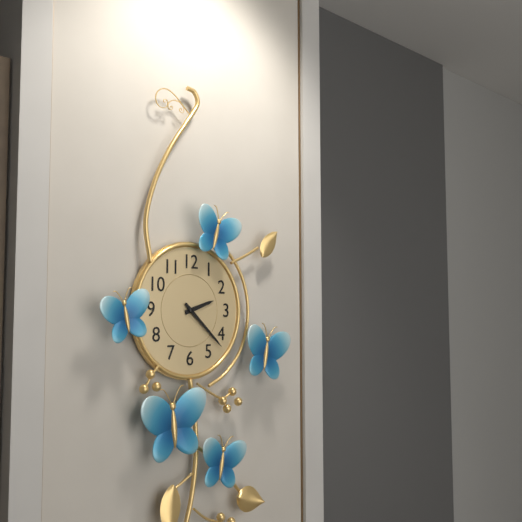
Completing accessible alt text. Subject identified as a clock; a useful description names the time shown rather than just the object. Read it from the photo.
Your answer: 2:22
